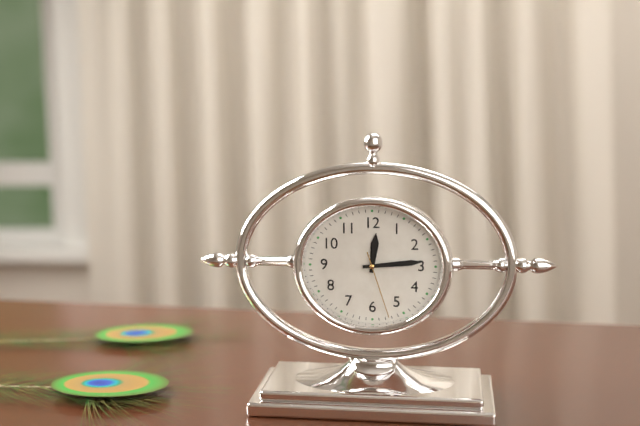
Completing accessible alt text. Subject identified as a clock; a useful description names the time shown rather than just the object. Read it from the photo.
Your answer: 12:14:27
